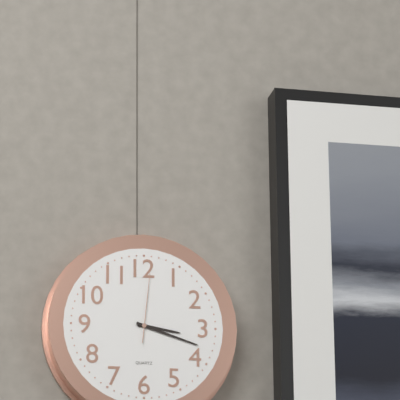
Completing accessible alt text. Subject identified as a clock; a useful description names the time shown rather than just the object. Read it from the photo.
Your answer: 3:18:01
